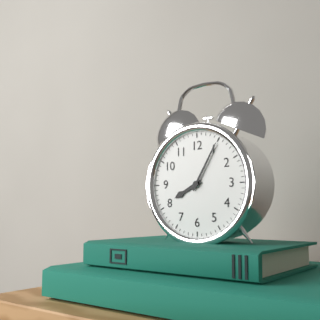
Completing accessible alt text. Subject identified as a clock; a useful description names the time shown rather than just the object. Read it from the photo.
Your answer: 8:05
